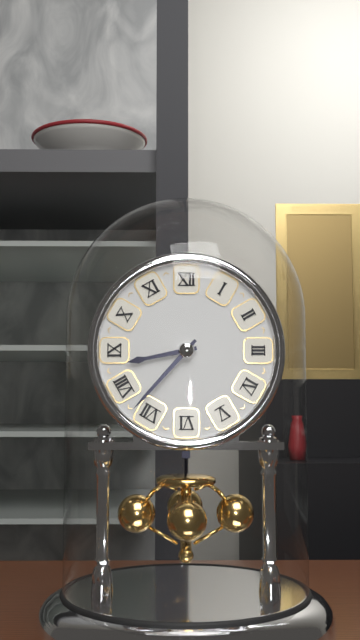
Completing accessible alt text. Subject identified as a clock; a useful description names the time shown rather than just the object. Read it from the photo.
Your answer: 8:37
